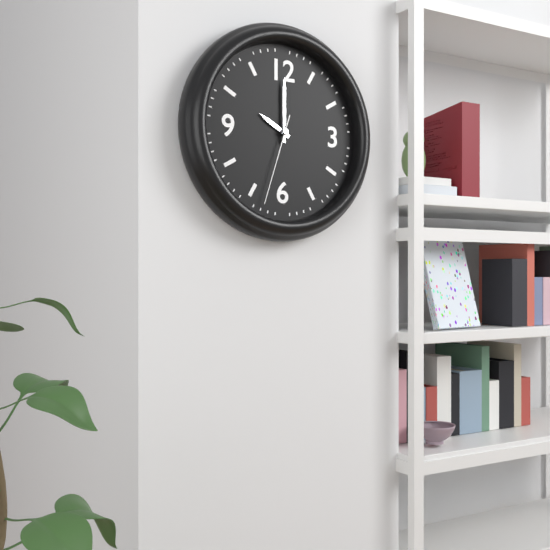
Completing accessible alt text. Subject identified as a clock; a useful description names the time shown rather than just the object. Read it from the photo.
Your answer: 10:00:33
